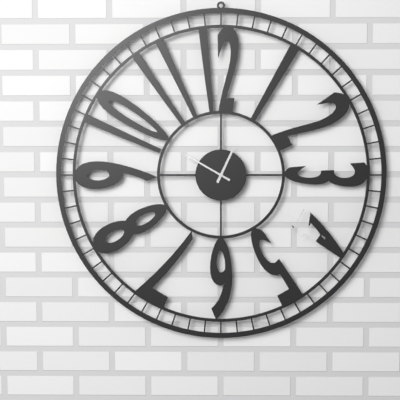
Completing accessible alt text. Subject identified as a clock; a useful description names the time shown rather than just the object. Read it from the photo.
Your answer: 12:50
